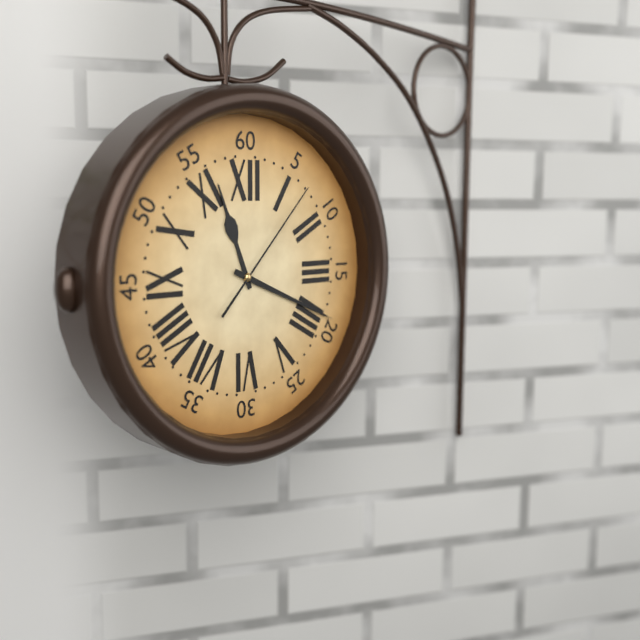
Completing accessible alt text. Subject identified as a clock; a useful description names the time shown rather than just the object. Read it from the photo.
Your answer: 11:19:07
